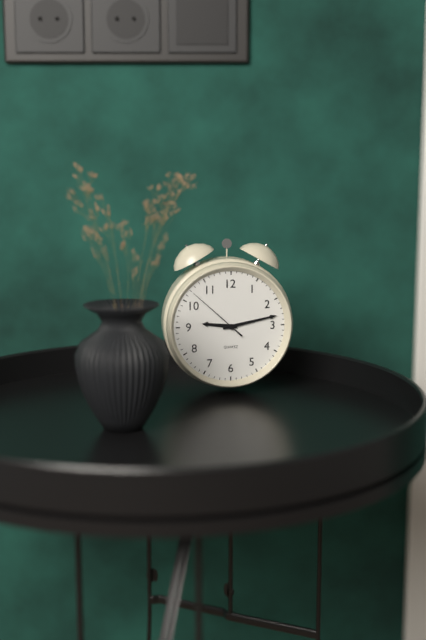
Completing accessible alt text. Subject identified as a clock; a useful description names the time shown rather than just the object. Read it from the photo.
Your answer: 9:13:52
